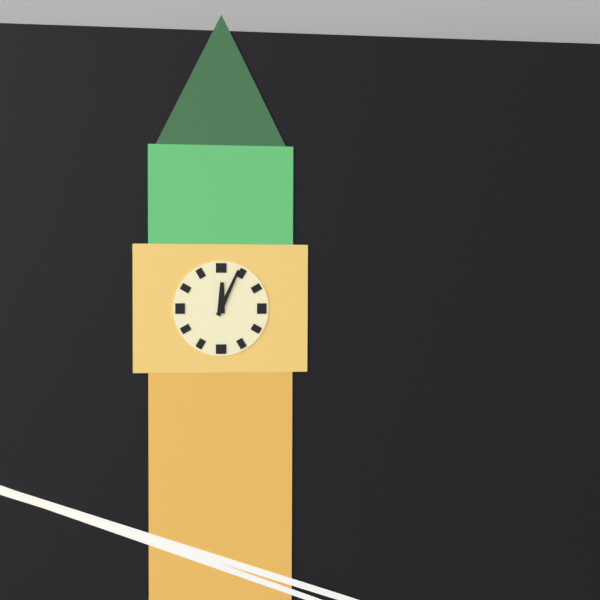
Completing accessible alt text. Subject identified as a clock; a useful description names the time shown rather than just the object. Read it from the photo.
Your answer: 12:04
